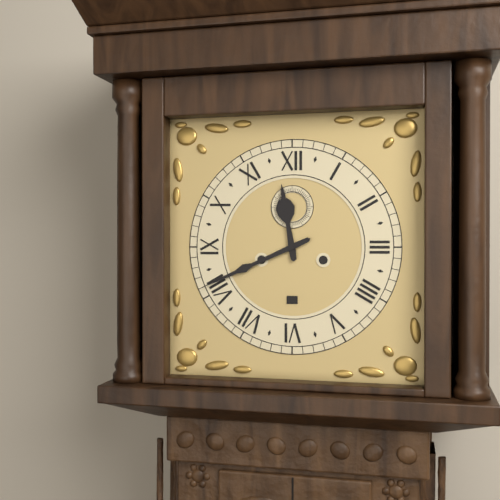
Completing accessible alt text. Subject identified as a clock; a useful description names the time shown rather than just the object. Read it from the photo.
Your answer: 11:41
